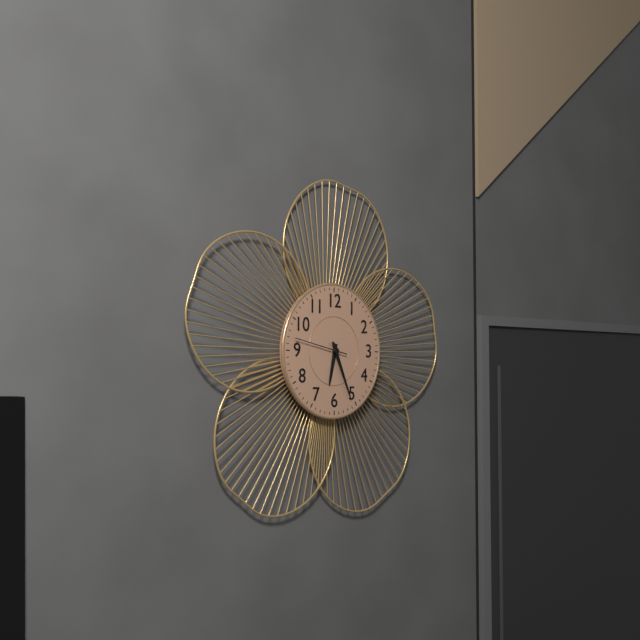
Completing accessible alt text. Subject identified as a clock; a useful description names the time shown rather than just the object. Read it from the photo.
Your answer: 6:26:47
